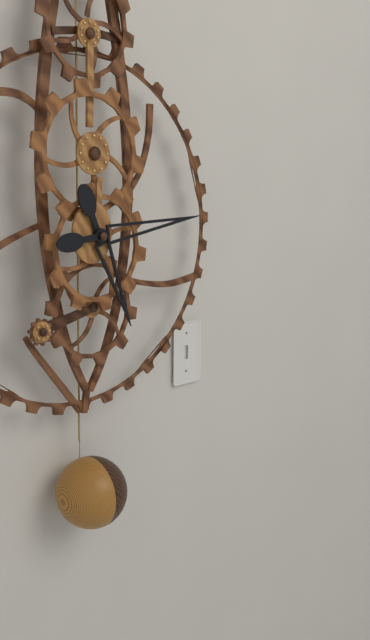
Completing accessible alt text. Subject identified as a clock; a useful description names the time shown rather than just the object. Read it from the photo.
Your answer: 5:14
